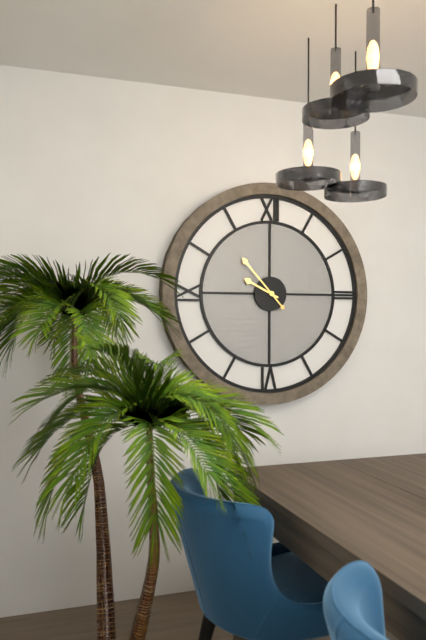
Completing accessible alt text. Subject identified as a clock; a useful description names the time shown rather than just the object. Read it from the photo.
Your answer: 9:53
